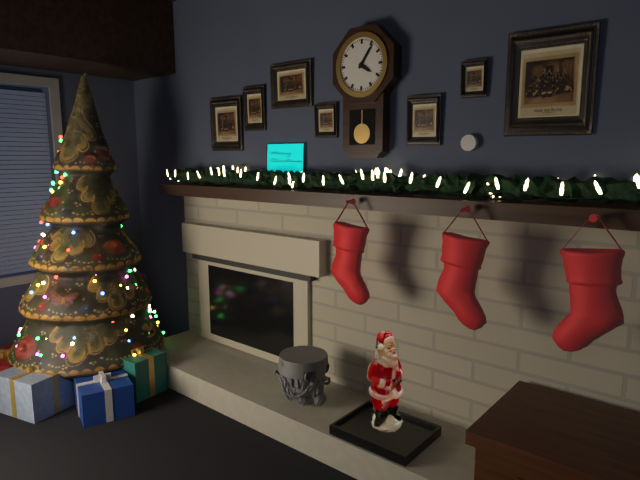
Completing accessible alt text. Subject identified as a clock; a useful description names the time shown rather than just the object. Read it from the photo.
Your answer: 4:06
